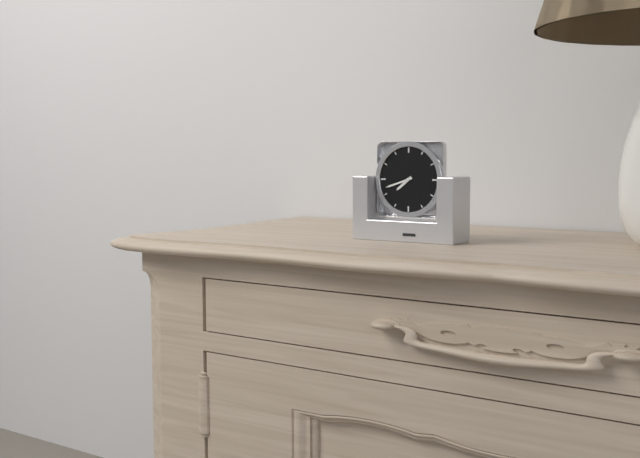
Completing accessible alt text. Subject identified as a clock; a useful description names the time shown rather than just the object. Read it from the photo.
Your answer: 7:42
